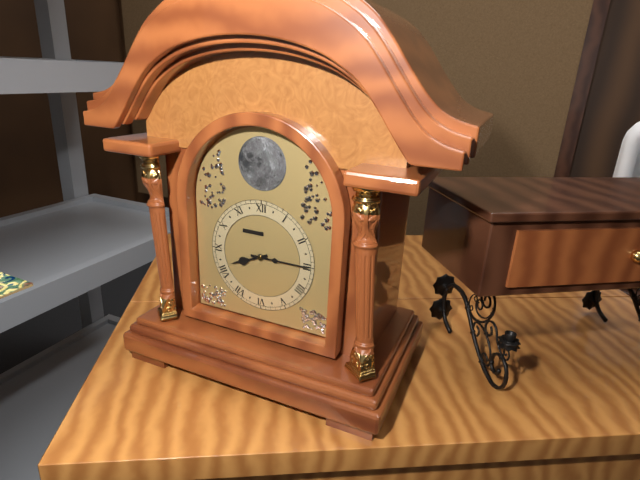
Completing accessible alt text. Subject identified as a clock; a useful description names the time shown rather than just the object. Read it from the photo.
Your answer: 8:15
